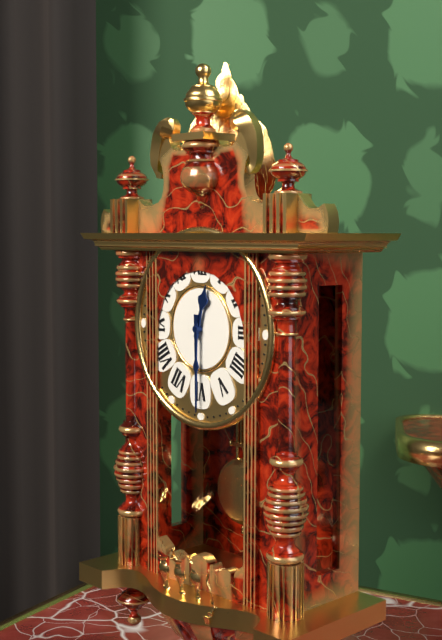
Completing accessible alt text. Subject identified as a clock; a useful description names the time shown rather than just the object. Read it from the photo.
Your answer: 12:30
